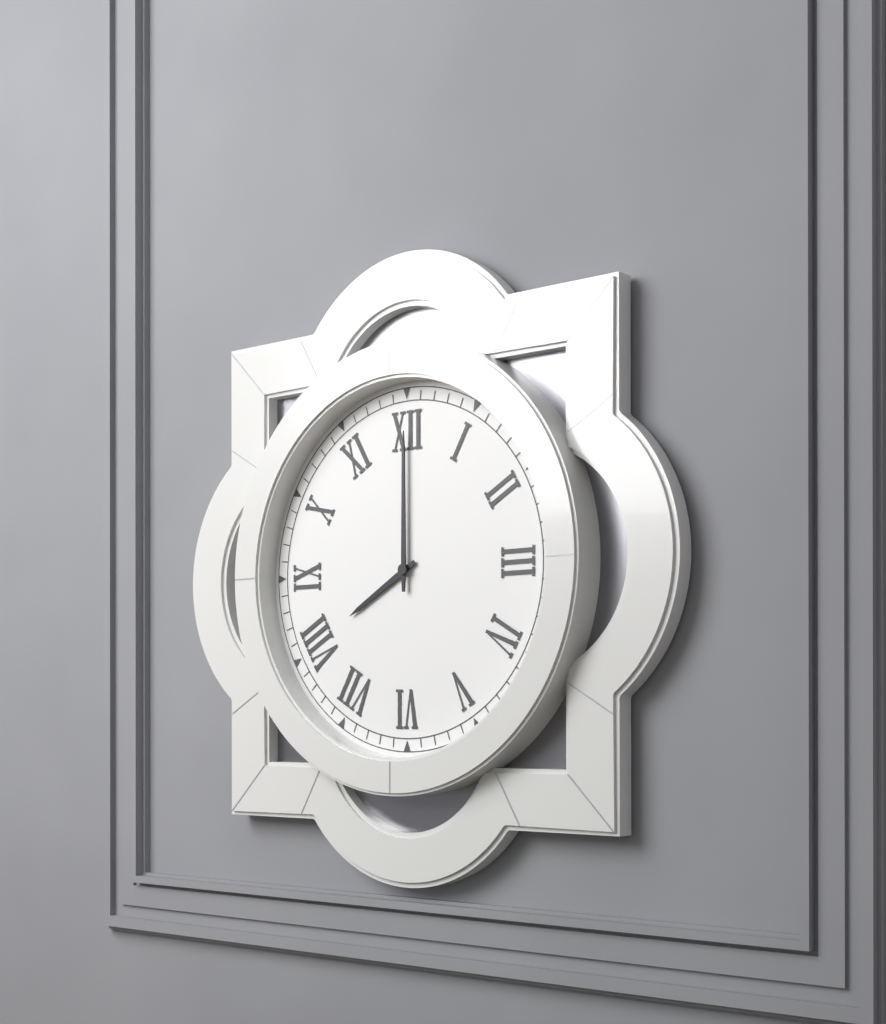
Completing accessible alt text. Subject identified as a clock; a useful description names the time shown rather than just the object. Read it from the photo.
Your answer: 8:00
